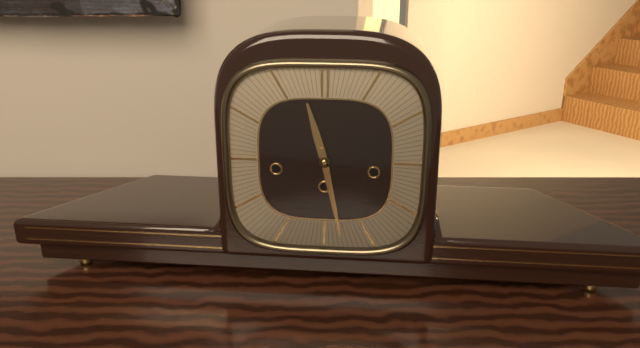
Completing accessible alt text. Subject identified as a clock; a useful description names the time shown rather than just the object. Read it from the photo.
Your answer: 11:28
